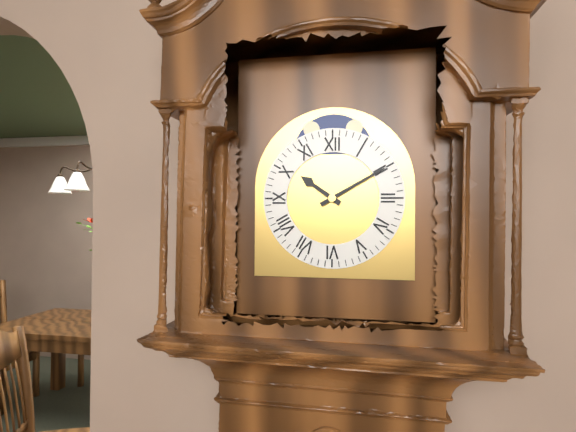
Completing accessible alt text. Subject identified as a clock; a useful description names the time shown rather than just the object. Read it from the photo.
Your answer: 10:10
